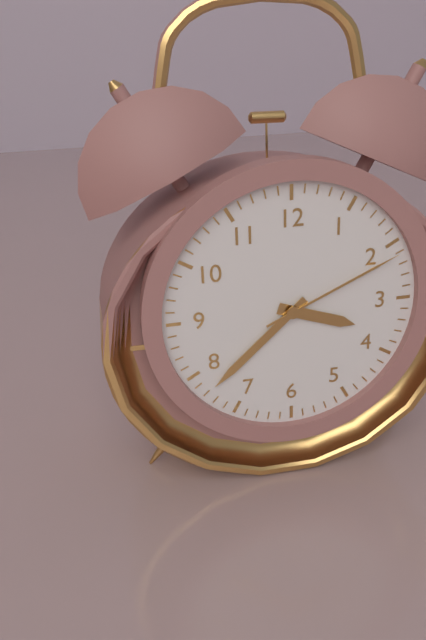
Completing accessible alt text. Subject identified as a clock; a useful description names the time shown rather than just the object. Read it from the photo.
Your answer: 3:38:11
